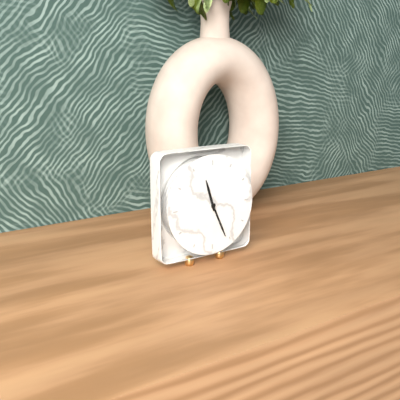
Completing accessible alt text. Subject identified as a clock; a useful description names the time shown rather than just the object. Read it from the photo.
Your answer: 11:26
